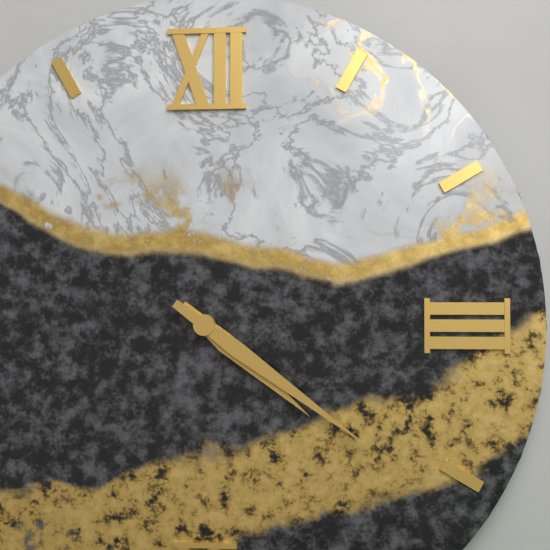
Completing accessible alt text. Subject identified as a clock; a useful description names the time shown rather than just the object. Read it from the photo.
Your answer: 4:21
